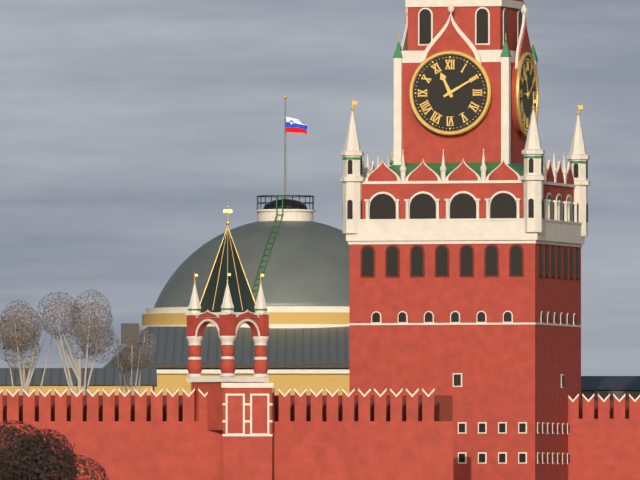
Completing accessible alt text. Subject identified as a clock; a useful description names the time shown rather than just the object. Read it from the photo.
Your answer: 11:10
